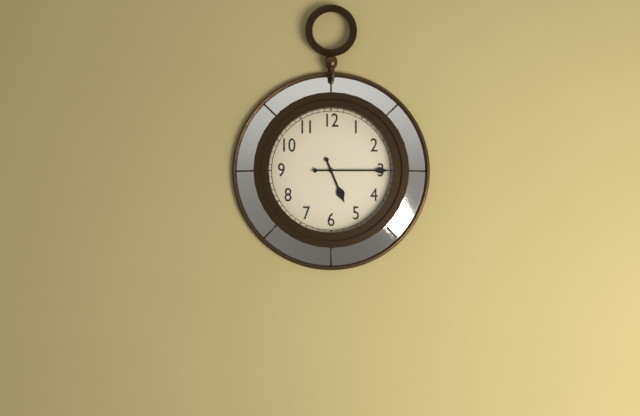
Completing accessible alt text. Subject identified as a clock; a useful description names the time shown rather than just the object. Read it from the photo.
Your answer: 5:15
